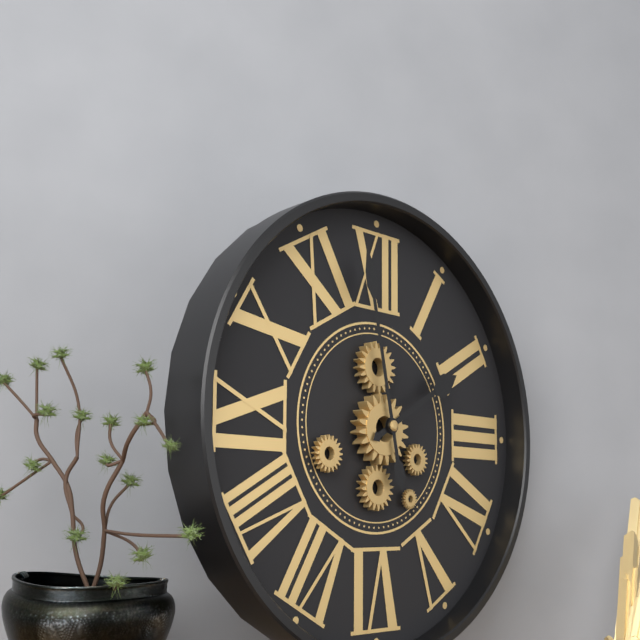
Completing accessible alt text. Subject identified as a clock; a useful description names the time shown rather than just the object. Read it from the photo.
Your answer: 1:58
